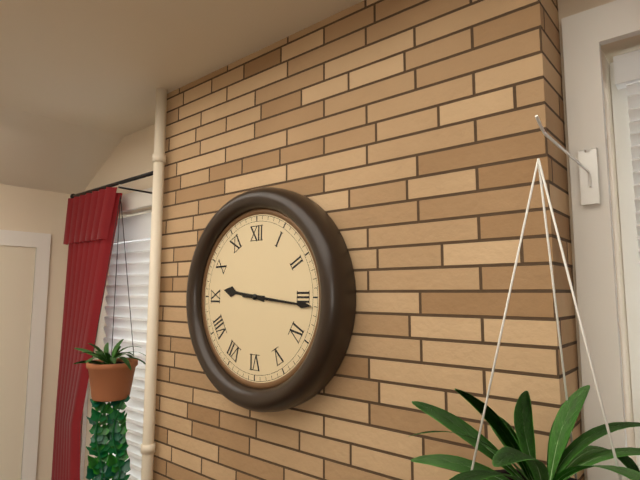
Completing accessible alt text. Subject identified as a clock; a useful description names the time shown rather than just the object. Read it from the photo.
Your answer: 9:16
